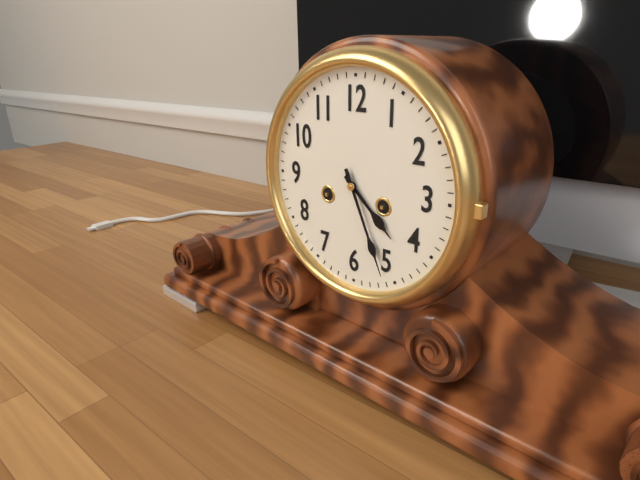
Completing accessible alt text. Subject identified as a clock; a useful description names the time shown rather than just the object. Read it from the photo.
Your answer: 4:26
